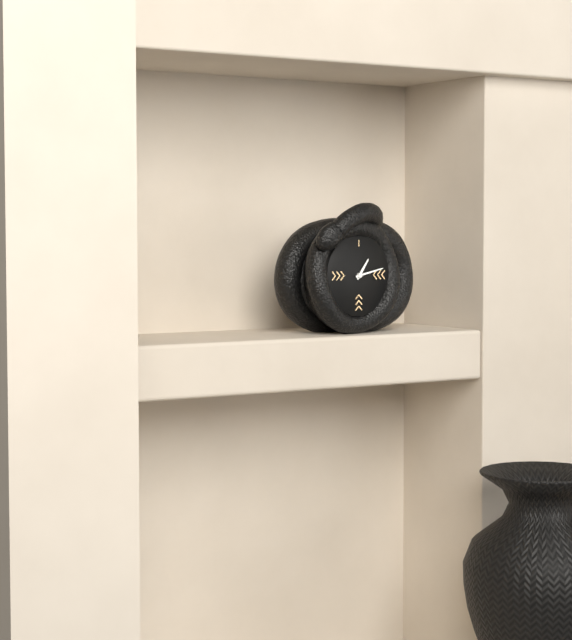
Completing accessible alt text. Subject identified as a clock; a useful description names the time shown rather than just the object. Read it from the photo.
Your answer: 1:13
